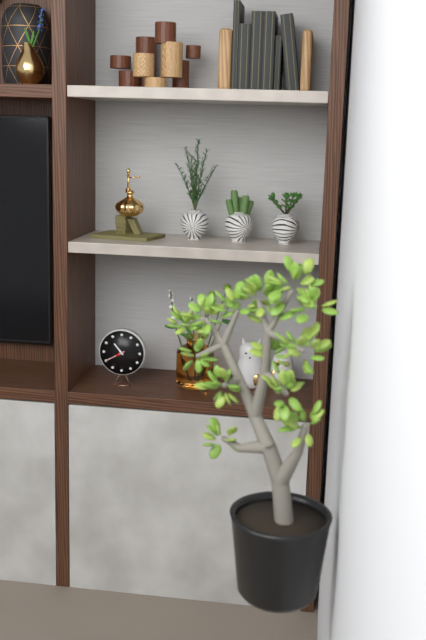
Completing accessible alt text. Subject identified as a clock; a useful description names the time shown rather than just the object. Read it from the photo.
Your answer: 10:40
